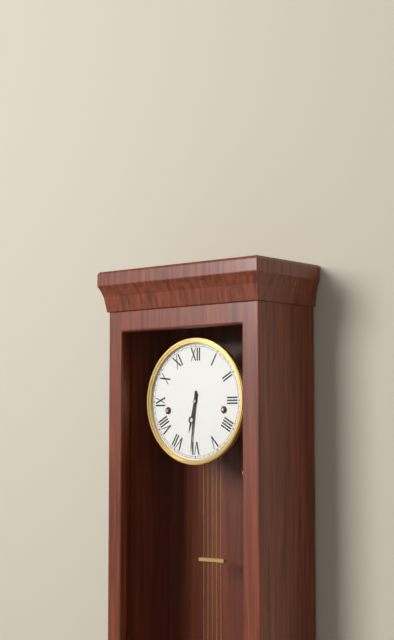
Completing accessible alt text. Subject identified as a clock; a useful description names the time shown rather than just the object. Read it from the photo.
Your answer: 6:31
